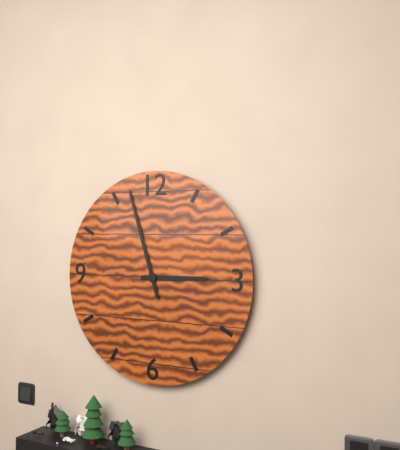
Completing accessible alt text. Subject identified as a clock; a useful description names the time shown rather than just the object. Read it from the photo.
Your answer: 2:57
